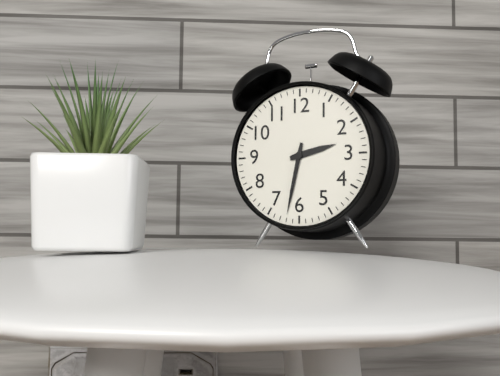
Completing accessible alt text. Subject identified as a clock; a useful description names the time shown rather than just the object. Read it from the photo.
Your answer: 2:32
